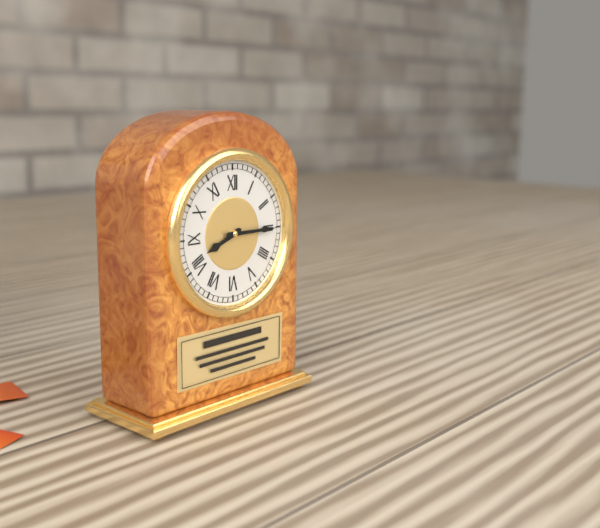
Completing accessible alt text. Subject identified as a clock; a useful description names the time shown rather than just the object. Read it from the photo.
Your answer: 8:15
